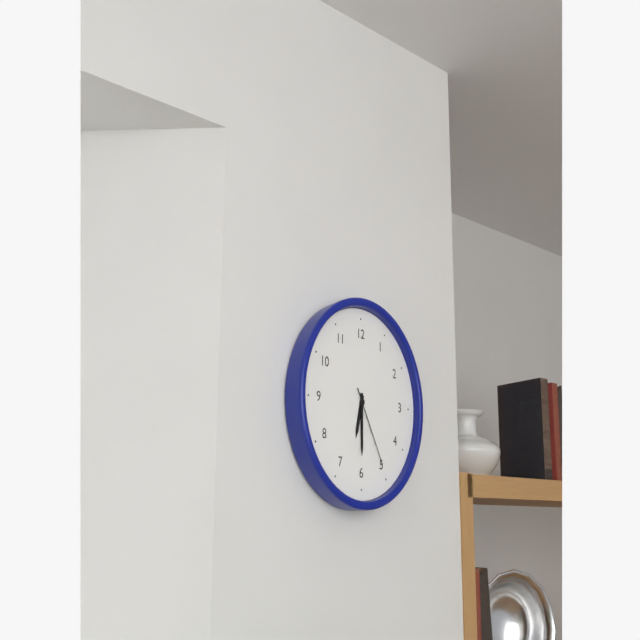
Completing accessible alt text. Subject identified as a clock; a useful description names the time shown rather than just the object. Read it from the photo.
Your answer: 6:30:25
